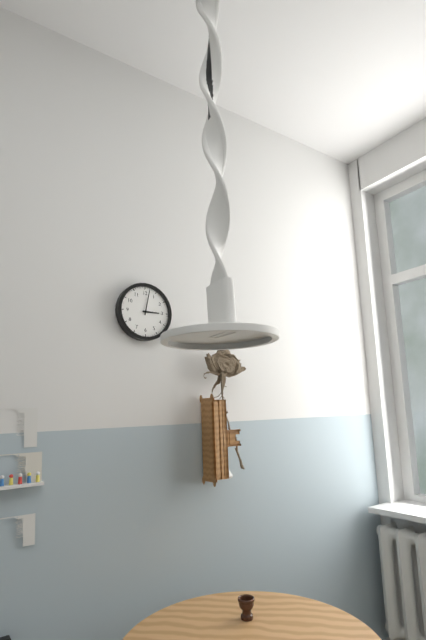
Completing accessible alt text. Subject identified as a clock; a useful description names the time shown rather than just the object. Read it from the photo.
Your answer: 3:02
